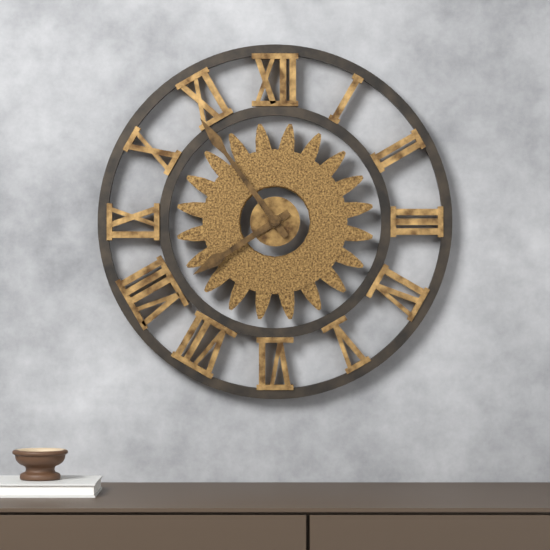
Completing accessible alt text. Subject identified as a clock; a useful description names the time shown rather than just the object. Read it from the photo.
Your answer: 7:54
